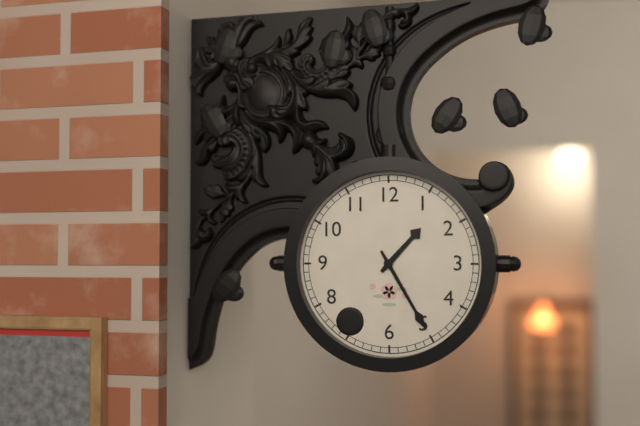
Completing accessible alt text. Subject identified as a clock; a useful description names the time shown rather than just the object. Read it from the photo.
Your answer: 1:25
